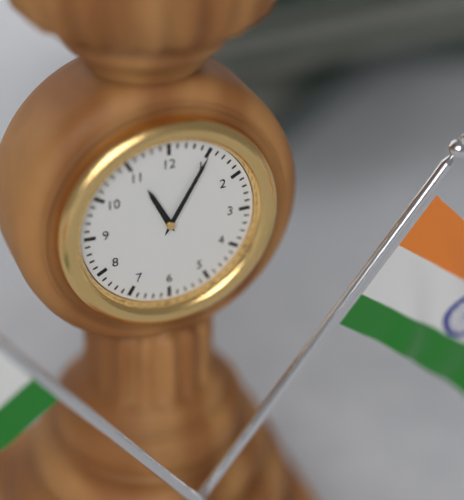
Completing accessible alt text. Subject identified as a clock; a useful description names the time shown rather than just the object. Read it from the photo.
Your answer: 11:05
